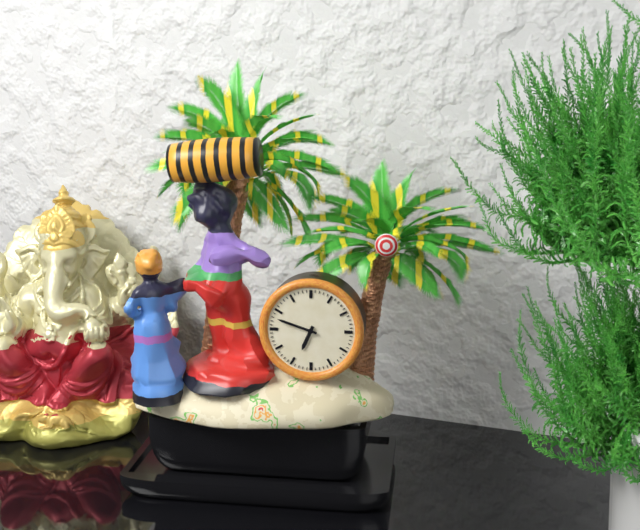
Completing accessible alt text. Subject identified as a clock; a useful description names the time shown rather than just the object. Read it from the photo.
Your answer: 6:48
